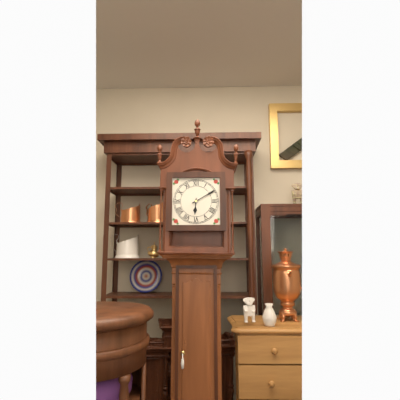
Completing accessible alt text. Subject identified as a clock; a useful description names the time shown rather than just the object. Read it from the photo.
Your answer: 6:10
